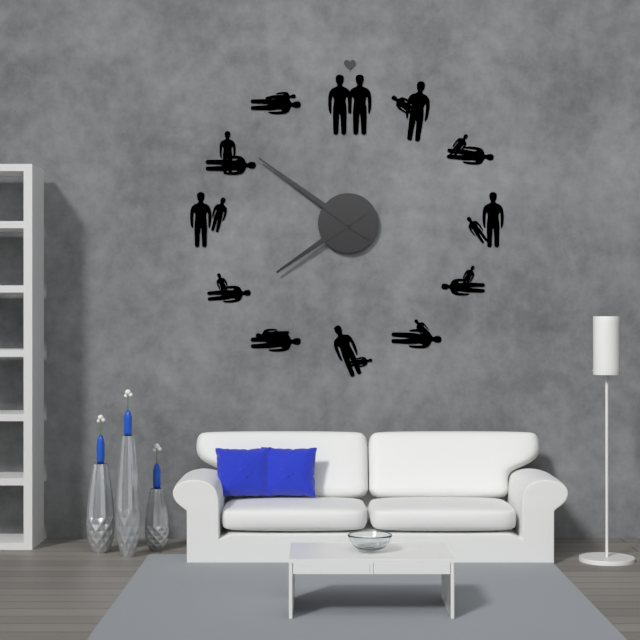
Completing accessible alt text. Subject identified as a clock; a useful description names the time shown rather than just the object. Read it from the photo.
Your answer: 7:51
